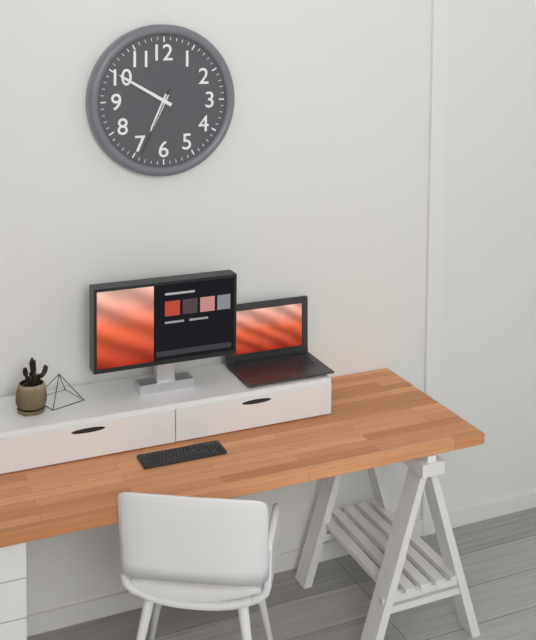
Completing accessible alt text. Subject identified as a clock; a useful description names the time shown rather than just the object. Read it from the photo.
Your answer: 6:50:34
